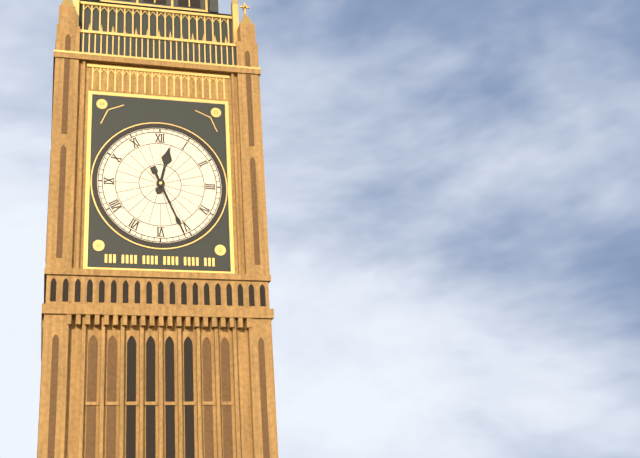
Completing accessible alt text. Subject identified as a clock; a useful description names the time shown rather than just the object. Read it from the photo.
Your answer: 12:26
